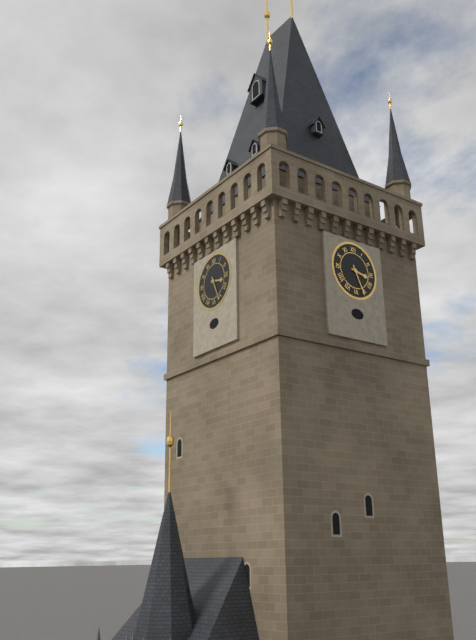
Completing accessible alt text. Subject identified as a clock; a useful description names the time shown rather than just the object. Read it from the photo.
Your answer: 3:26
